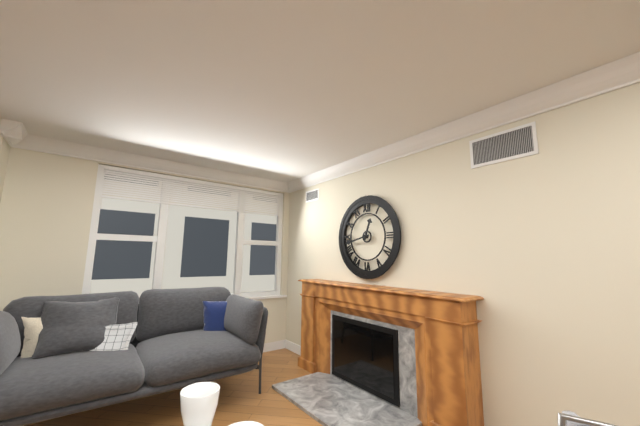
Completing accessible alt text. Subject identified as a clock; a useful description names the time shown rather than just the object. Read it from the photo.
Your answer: 12:43
